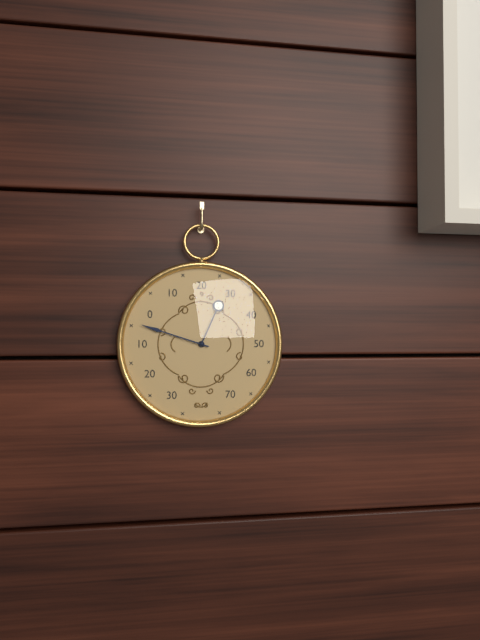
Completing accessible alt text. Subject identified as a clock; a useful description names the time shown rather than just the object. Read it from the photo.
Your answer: 12:48
